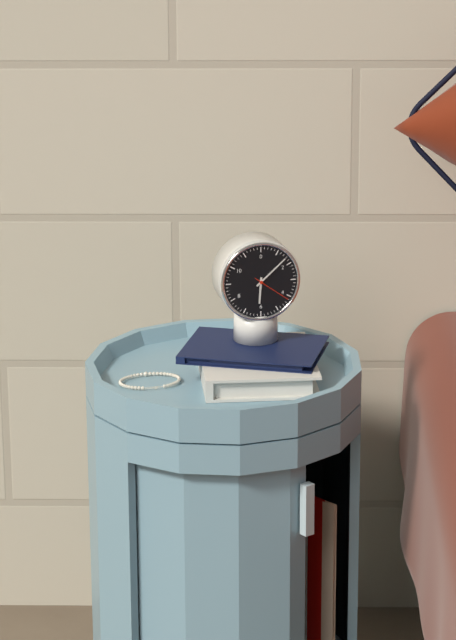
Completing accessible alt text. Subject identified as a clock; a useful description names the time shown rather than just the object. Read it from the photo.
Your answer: 6:08
